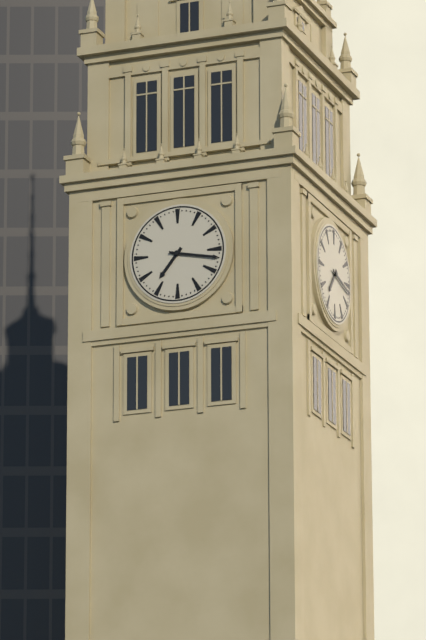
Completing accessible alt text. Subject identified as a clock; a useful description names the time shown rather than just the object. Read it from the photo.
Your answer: 7:17
